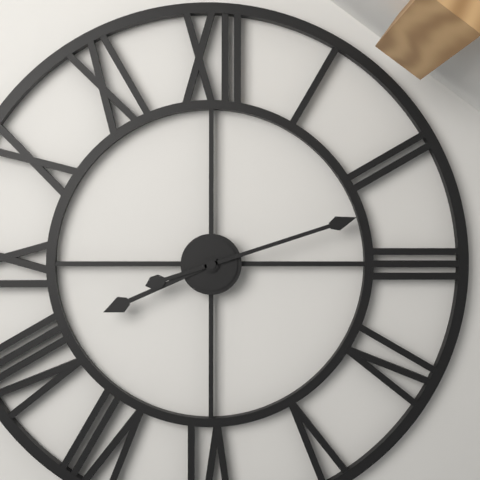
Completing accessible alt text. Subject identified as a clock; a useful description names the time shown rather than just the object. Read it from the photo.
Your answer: 8:12
